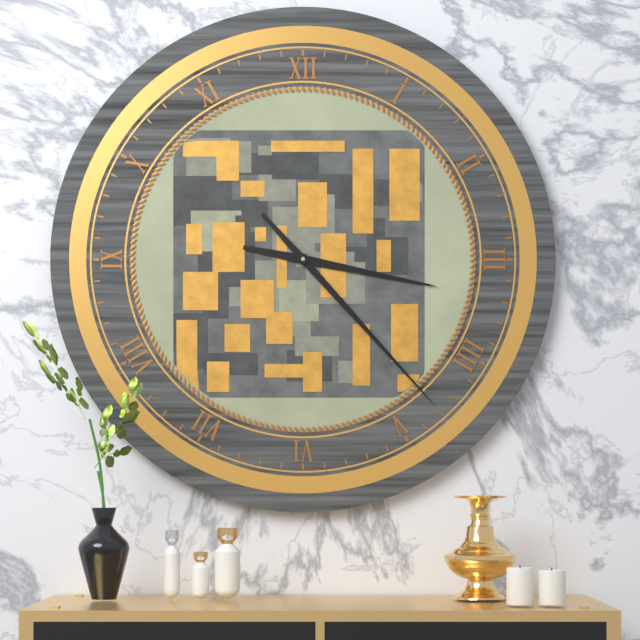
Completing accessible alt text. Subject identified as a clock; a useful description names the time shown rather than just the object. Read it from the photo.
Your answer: 3:23
